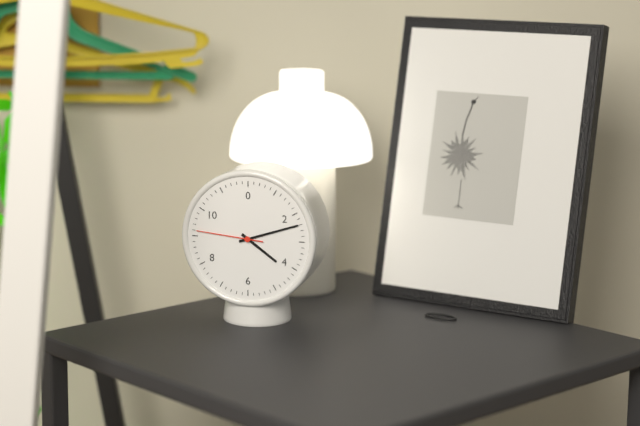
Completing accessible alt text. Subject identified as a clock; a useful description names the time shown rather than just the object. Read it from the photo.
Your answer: 4:12:46
